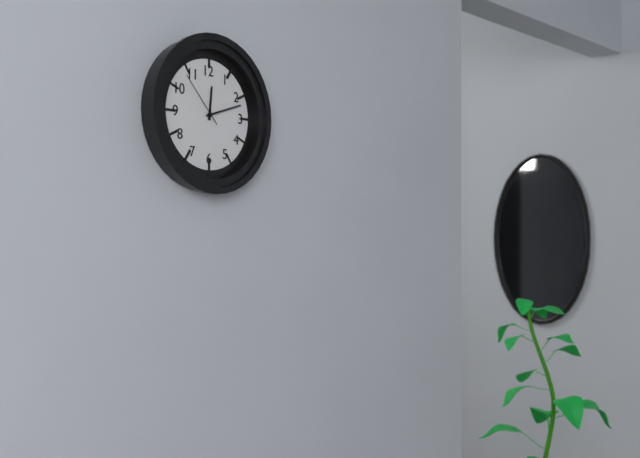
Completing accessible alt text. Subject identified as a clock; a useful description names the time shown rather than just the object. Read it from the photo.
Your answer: 12:12:53
